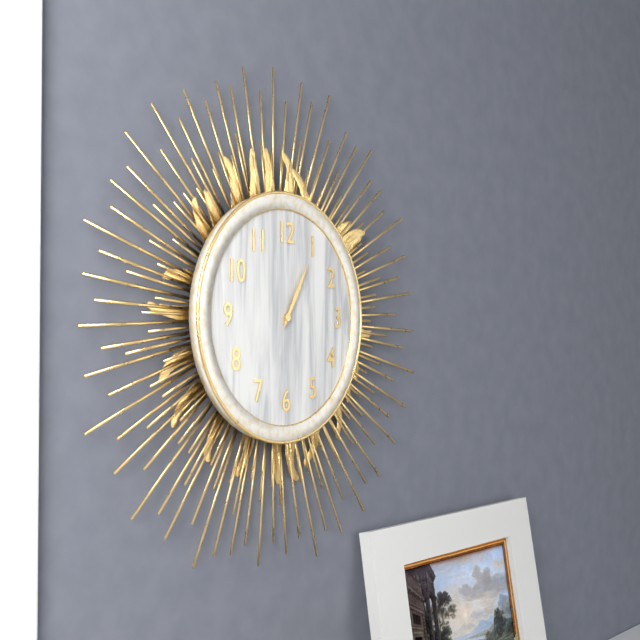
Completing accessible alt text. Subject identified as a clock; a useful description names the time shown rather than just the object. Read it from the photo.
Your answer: 1:05
